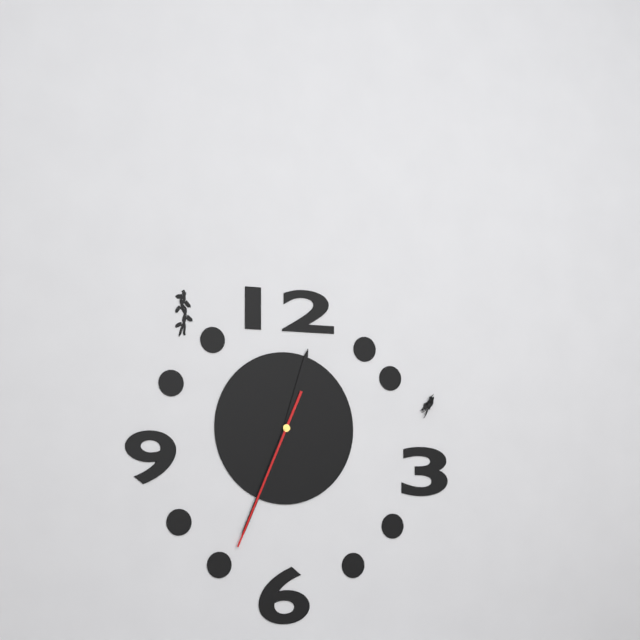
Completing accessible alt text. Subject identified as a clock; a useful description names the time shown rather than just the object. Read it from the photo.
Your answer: 12:34:34
